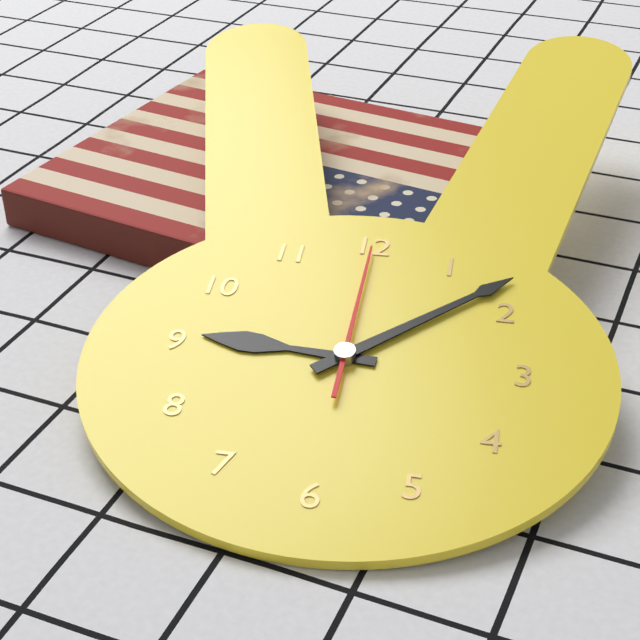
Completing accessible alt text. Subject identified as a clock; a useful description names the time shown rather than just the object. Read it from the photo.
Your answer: 9:08:00
